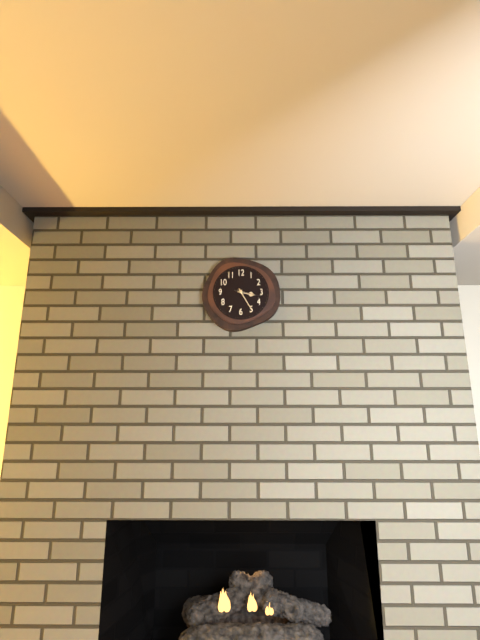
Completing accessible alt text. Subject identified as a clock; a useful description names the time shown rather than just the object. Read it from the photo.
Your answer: 3:25
